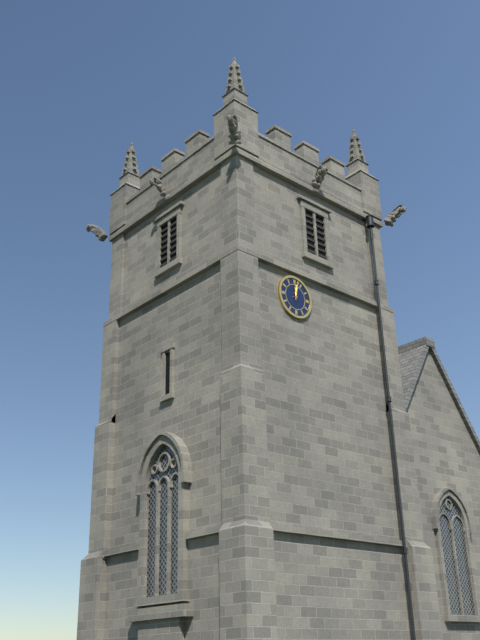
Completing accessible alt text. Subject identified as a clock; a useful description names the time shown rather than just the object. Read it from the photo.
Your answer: 12:02
